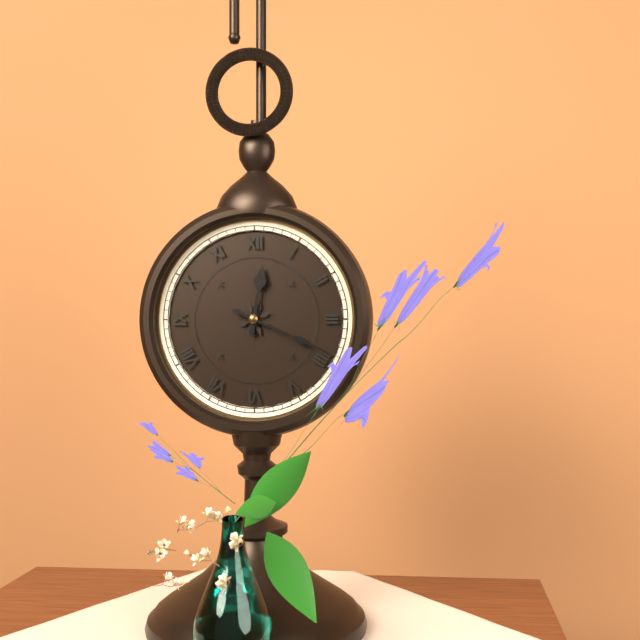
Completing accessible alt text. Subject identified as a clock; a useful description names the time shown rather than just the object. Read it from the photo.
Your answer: 12:19
